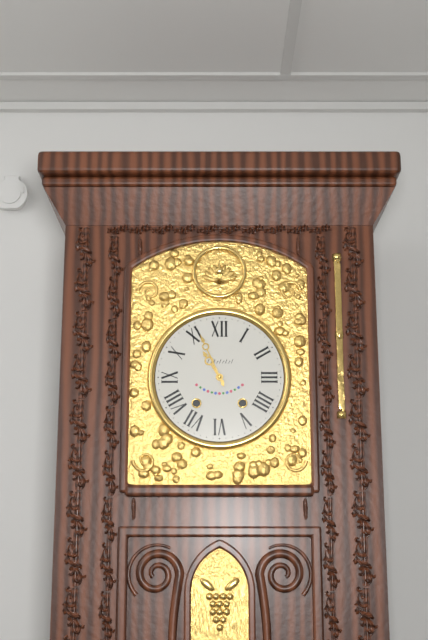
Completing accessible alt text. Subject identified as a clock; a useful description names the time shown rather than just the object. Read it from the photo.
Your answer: 10:56
